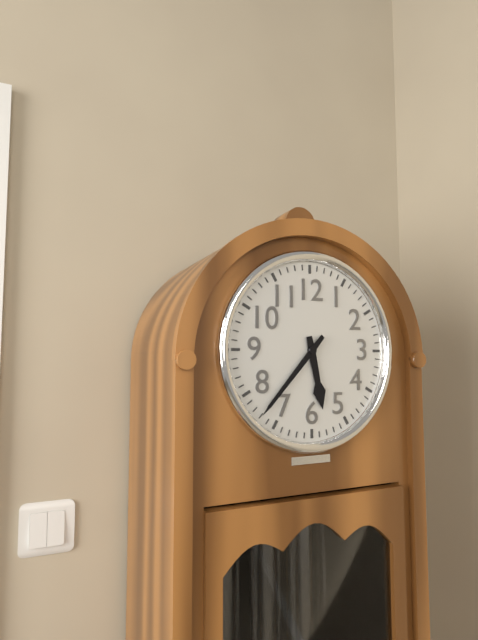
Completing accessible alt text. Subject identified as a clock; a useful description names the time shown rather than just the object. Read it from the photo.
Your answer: 5:37
